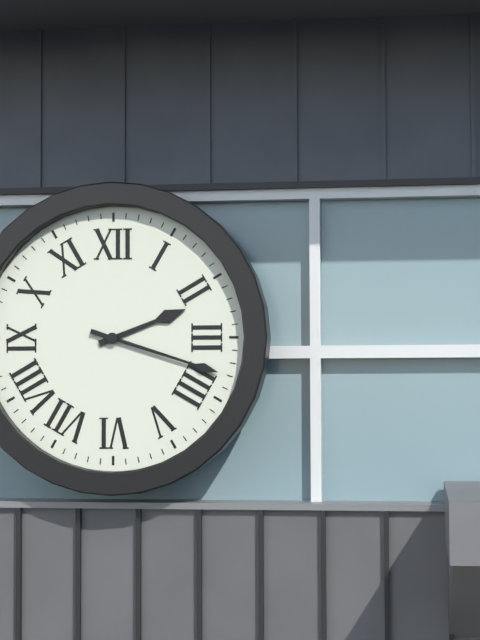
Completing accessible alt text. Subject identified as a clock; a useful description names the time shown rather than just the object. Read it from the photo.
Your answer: 2:18
